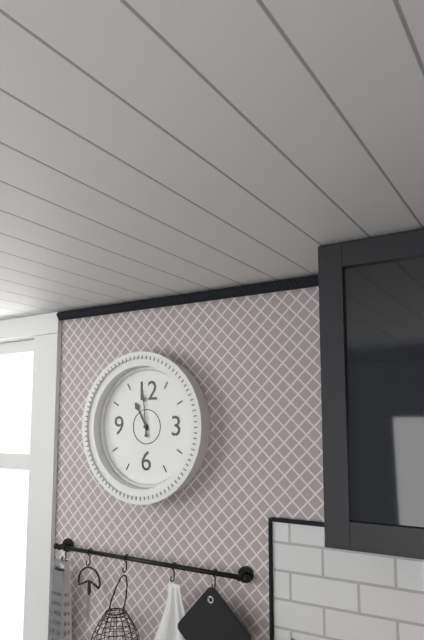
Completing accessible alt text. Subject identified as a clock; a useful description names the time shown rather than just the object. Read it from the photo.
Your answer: 10:59
